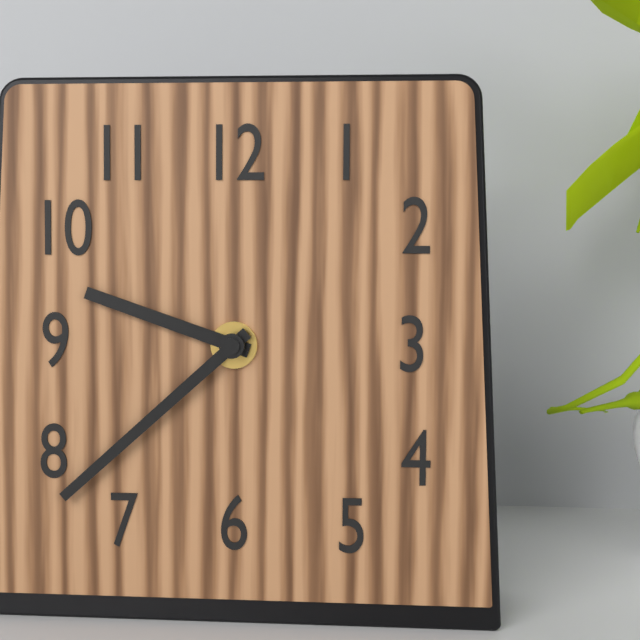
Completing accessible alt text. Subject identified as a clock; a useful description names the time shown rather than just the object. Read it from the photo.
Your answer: 9:38
